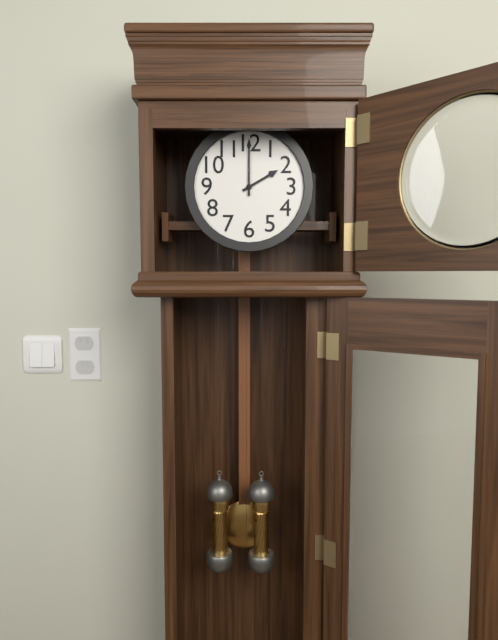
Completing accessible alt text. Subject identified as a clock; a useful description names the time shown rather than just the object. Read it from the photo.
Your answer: 2:00
